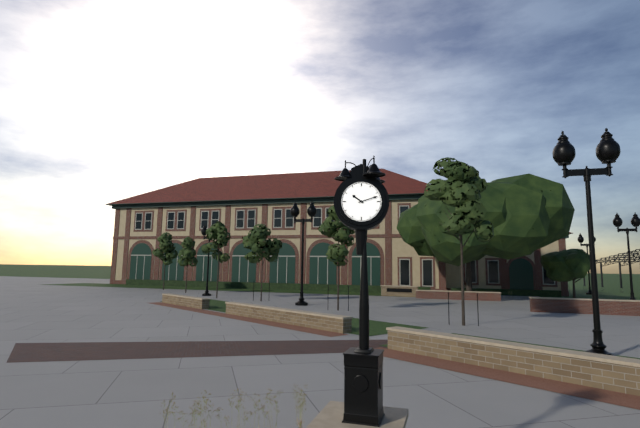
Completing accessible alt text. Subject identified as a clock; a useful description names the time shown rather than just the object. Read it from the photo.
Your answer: 10:12
